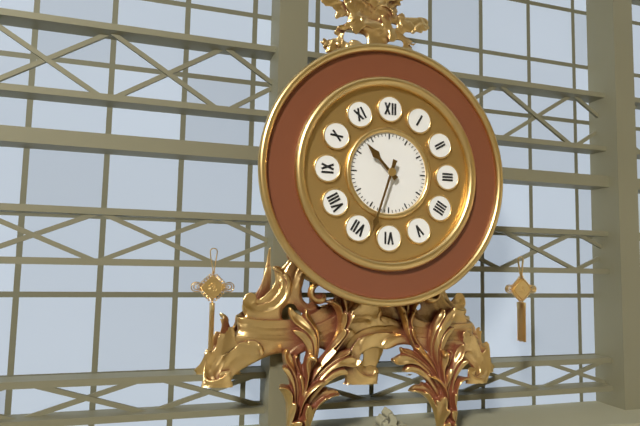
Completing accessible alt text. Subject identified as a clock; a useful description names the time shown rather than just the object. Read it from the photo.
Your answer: 10:33
